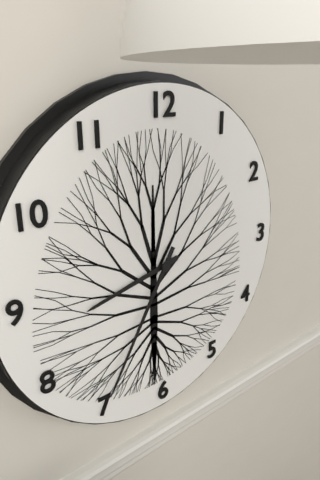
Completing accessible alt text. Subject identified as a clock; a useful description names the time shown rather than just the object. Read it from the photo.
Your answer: 8:35
